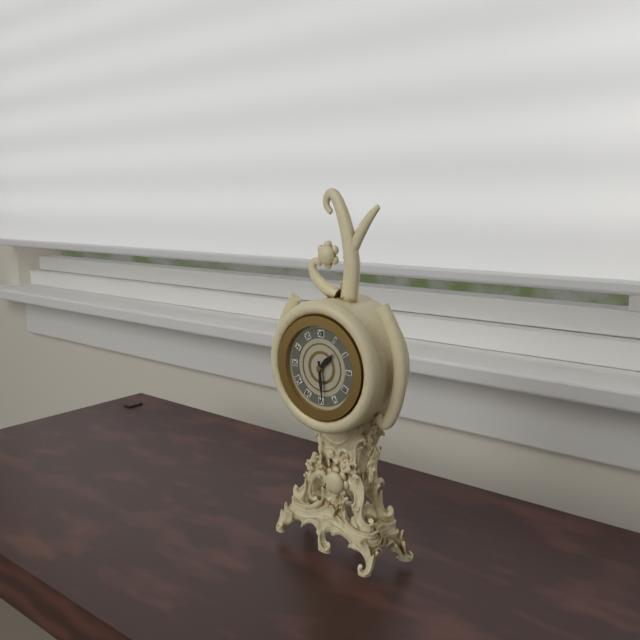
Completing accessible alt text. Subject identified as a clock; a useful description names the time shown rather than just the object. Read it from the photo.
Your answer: 1:29
